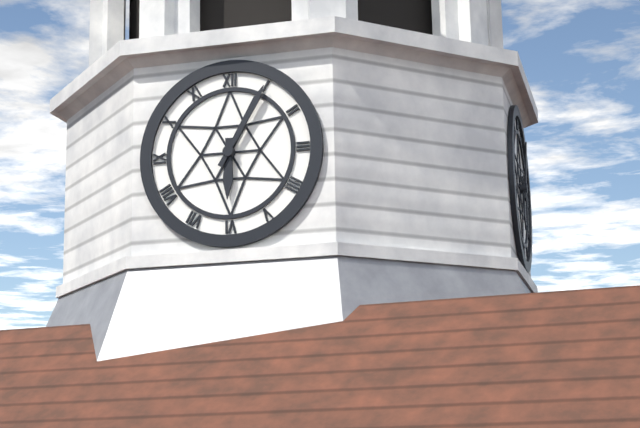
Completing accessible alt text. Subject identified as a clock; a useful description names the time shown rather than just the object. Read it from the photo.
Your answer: 6:05
